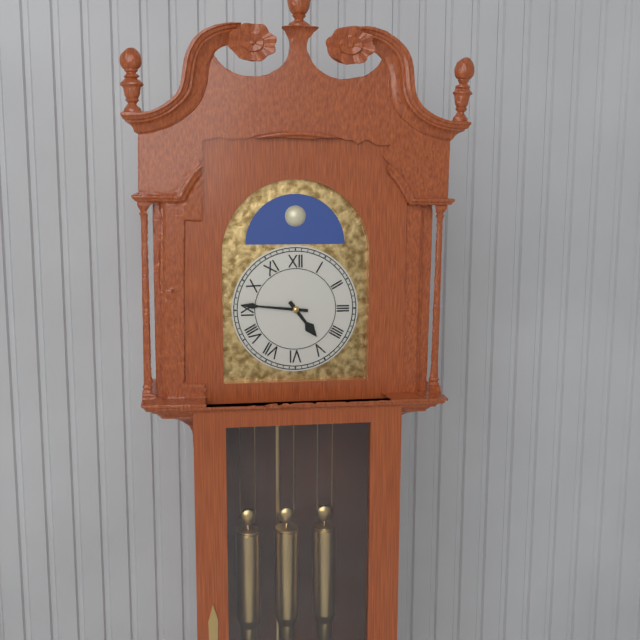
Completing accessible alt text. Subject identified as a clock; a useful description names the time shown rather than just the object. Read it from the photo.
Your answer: 4:46
